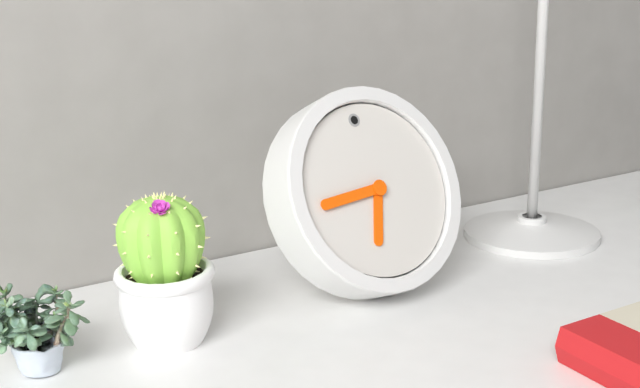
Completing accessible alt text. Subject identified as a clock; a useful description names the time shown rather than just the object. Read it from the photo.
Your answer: 6:45
